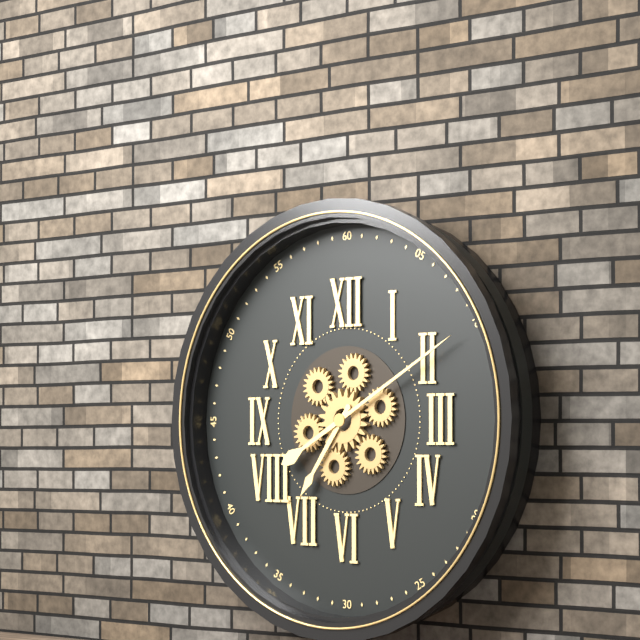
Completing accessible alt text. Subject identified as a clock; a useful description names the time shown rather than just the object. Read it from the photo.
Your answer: 7:10
